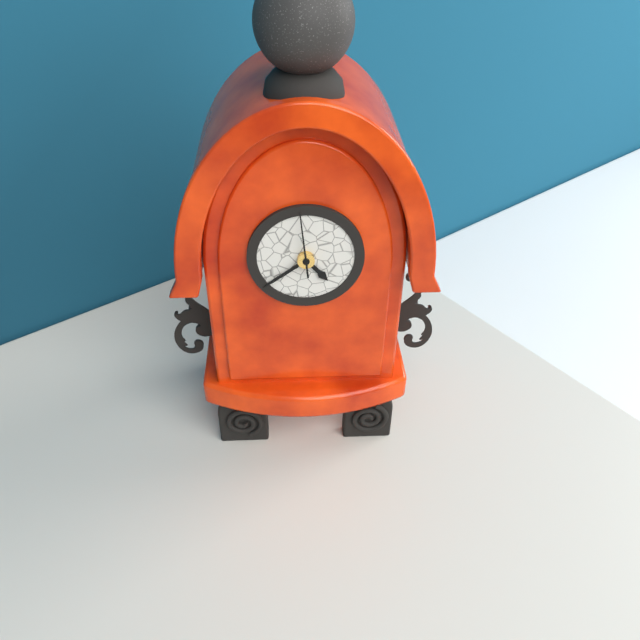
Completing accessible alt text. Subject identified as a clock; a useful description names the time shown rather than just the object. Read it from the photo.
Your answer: 4:39:59
